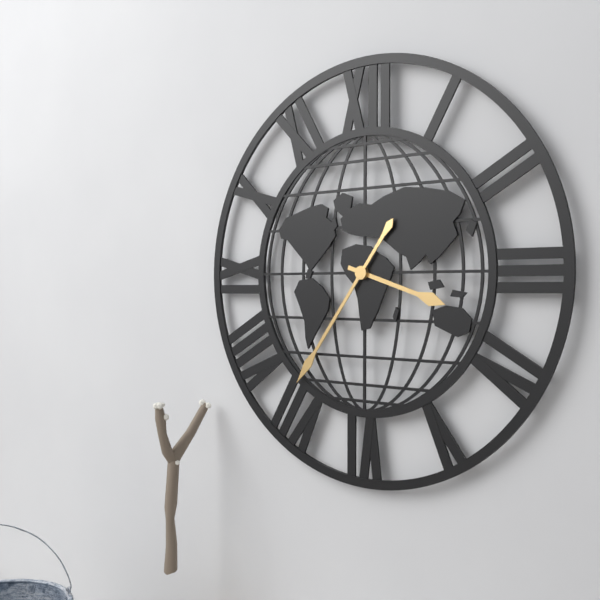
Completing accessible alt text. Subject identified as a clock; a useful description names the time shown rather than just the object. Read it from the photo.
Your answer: 3:36
